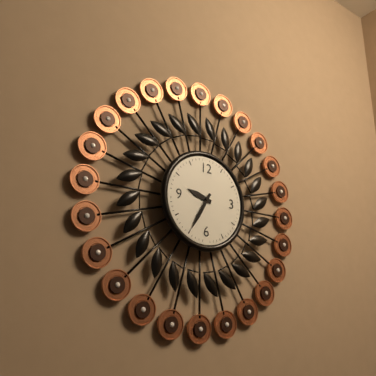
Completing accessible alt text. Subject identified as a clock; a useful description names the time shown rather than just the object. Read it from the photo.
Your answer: 9:35
